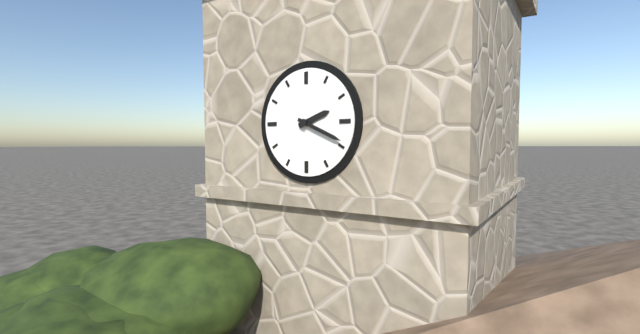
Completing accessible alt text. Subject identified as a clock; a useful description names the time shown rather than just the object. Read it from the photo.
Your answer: 2:19
